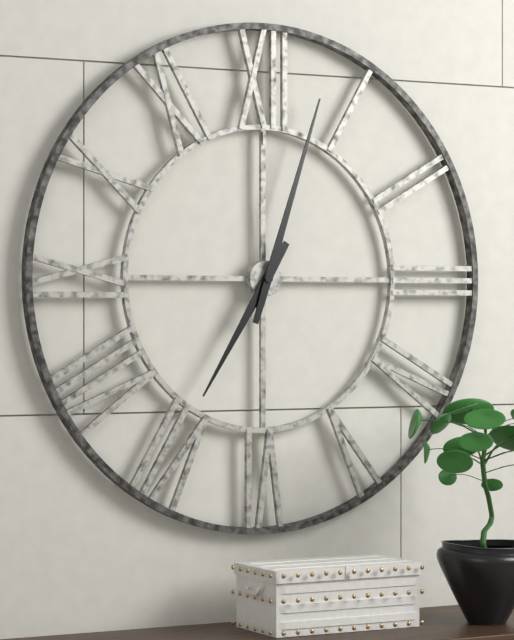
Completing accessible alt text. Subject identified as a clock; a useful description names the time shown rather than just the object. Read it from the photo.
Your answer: 7:03
